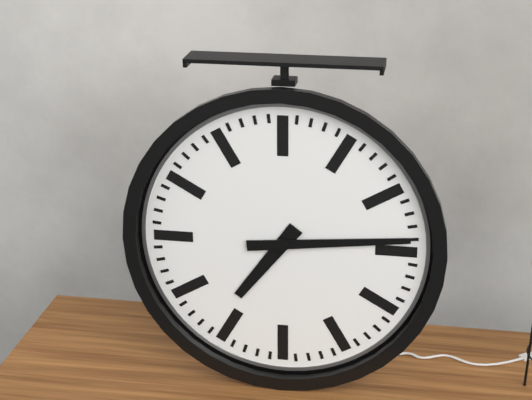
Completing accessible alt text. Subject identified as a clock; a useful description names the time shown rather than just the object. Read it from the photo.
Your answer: 7:14
